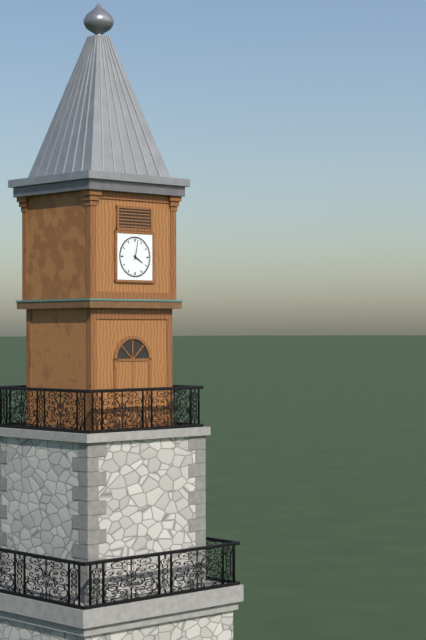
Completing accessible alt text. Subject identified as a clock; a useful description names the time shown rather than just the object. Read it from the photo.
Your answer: 4:02
